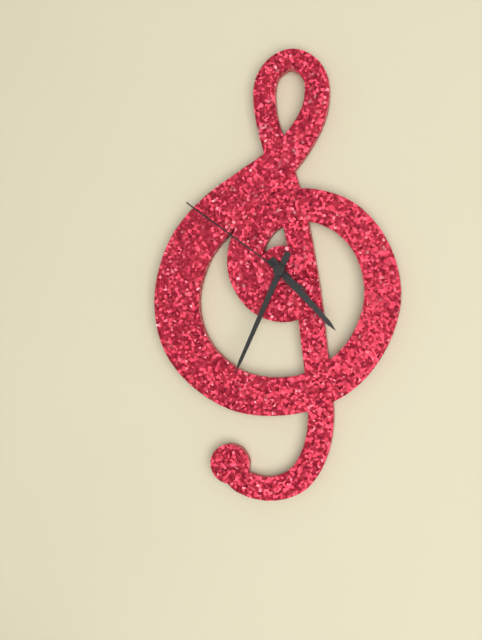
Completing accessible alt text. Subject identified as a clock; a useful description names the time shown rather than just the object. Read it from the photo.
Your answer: 4:34:51
